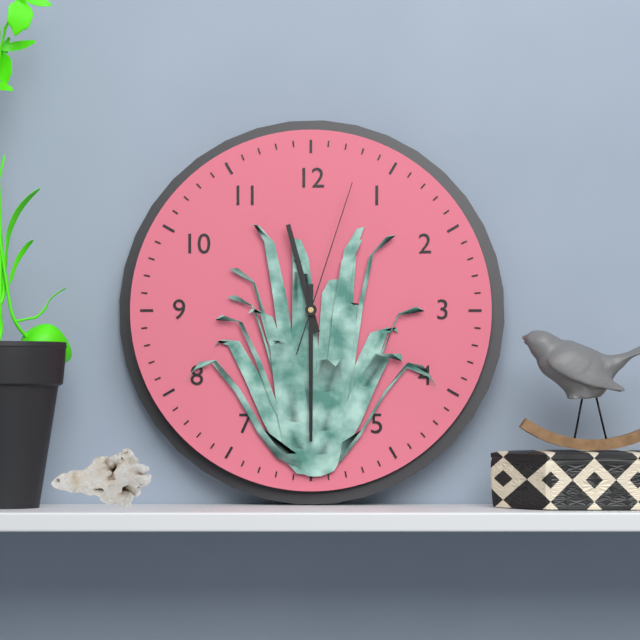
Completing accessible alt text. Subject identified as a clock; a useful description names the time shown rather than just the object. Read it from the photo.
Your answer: 11:30:03
